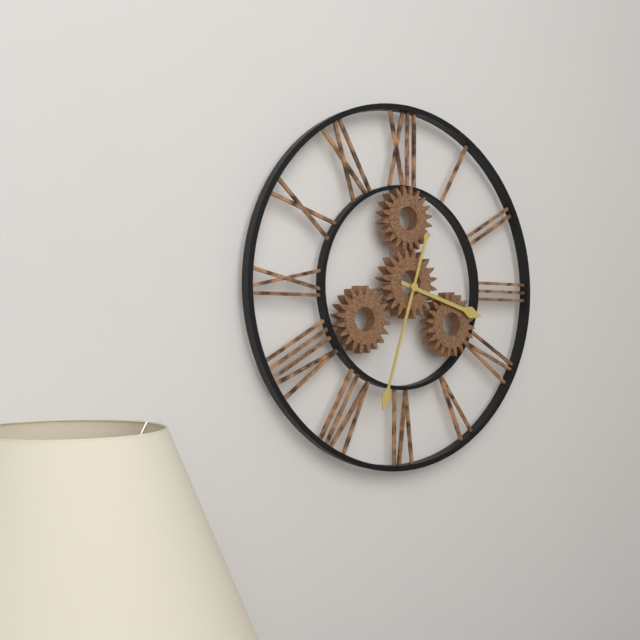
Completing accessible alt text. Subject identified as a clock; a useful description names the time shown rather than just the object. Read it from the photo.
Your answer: 3:33
